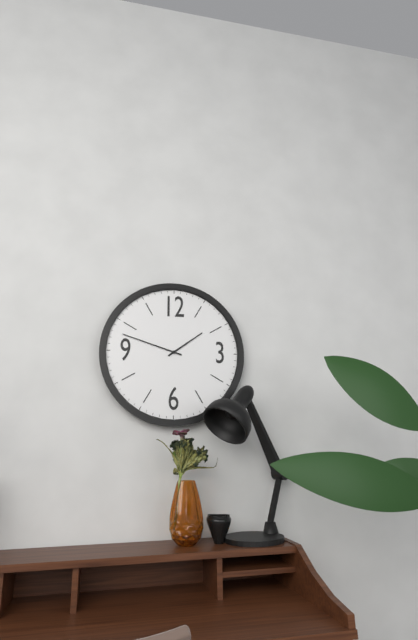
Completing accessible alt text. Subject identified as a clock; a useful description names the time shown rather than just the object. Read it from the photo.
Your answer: 1:48
